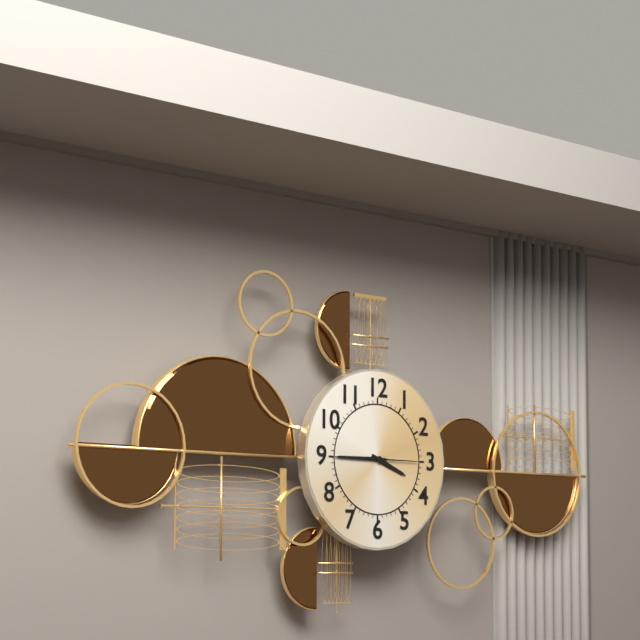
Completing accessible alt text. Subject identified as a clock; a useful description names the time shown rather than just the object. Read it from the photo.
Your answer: 3:45:15
